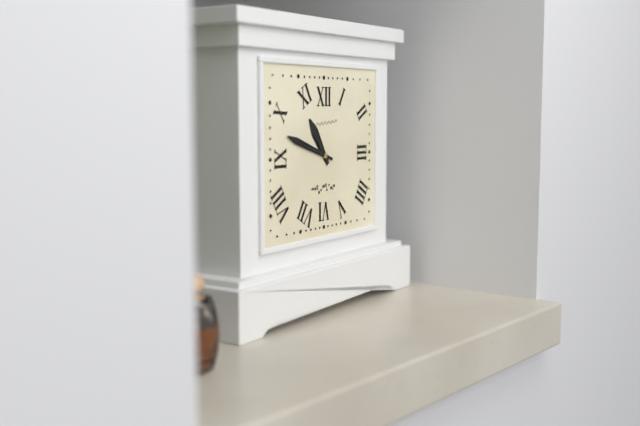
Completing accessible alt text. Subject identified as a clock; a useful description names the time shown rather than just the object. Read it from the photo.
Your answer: 10:48
